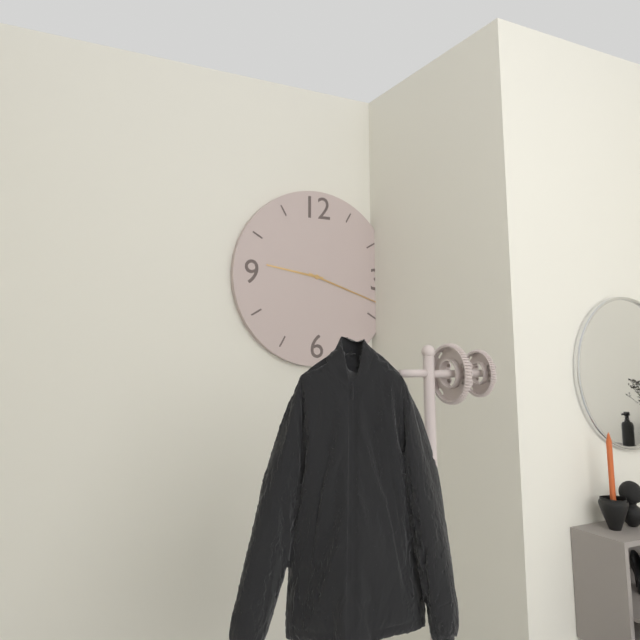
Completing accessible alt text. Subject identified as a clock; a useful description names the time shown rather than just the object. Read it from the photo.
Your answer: 9:18
